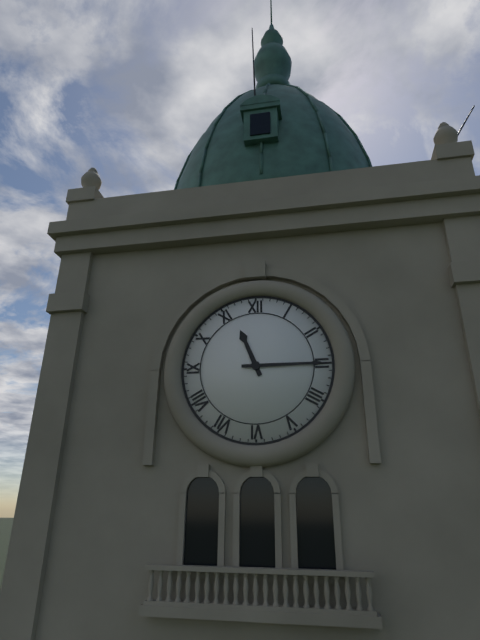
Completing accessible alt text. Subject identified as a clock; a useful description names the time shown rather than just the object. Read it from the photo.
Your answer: 11:15
